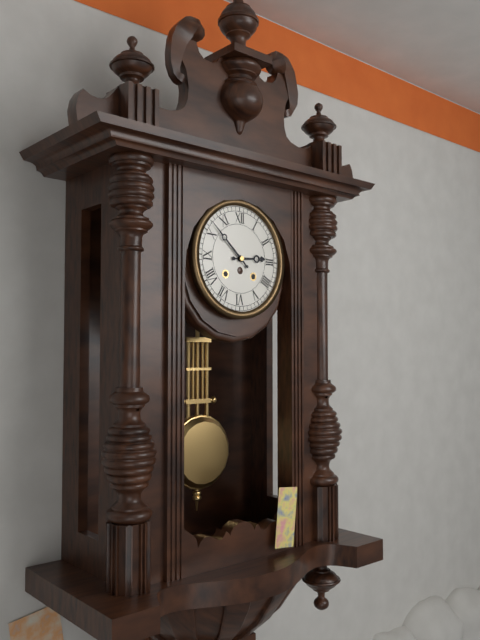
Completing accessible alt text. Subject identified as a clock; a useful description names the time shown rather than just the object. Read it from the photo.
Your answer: 2:52
